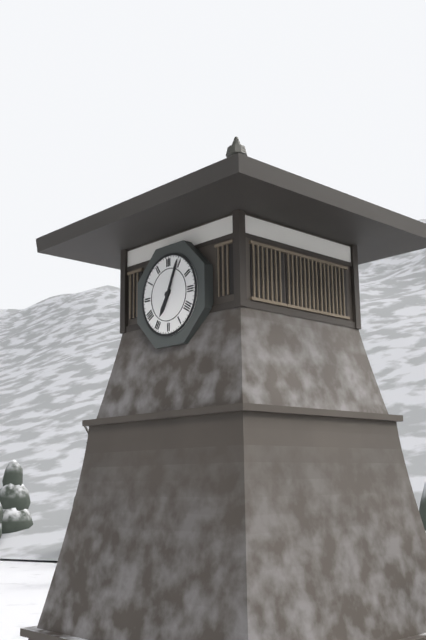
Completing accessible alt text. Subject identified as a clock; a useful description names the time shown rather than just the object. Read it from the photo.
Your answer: 7:04
